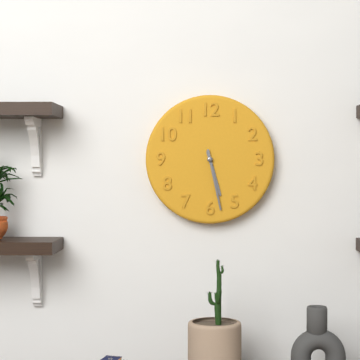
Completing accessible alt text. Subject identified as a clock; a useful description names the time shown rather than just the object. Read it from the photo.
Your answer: 5:28
